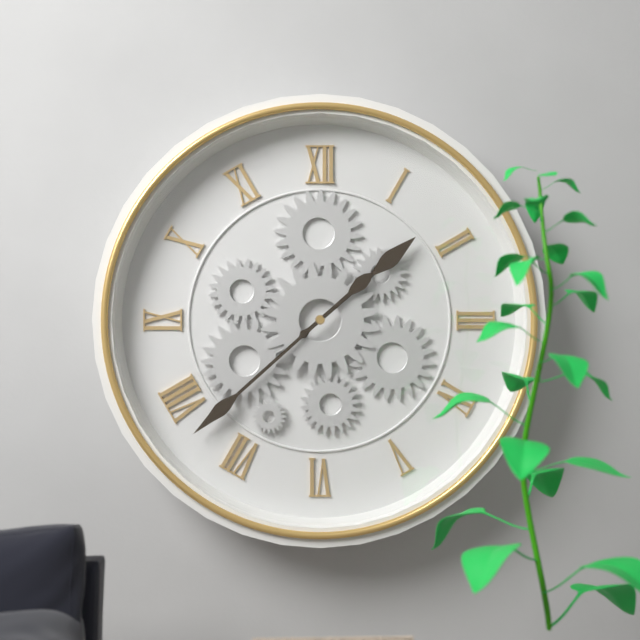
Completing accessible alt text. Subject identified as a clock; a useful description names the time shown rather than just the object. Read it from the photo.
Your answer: 1:38
